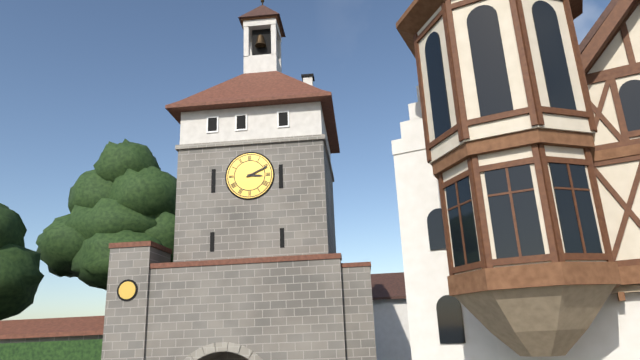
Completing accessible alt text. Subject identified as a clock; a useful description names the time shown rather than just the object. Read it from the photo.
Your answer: 3:11
